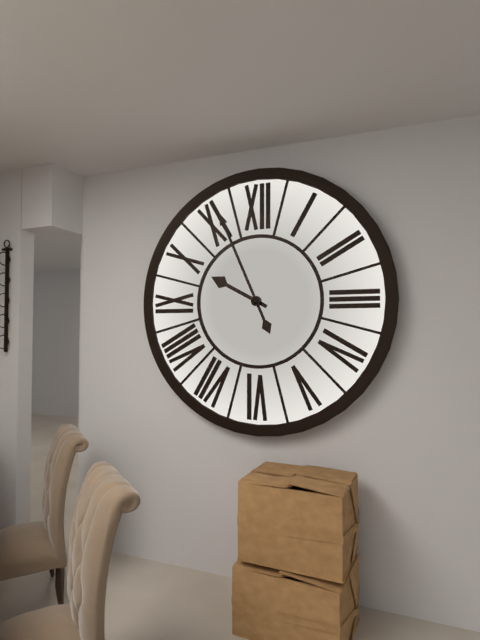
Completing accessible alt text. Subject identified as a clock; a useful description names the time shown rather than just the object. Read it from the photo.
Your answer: 9:56
